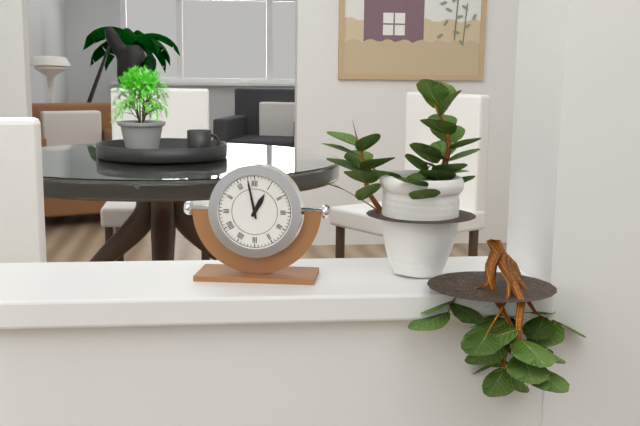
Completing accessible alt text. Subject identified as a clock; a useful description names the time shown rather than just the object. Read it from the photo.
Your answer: 12:58
